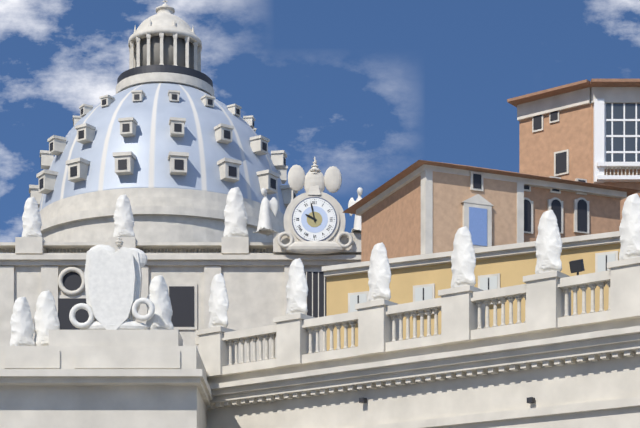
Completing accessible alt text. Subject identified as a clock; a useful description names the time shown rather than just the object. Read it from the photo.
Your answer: 9:58
